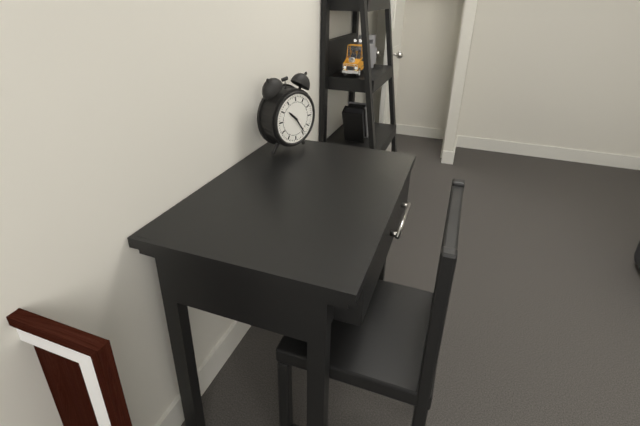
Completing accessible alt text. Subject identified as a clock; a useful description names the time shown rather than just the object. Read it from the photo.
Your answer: 10:24
